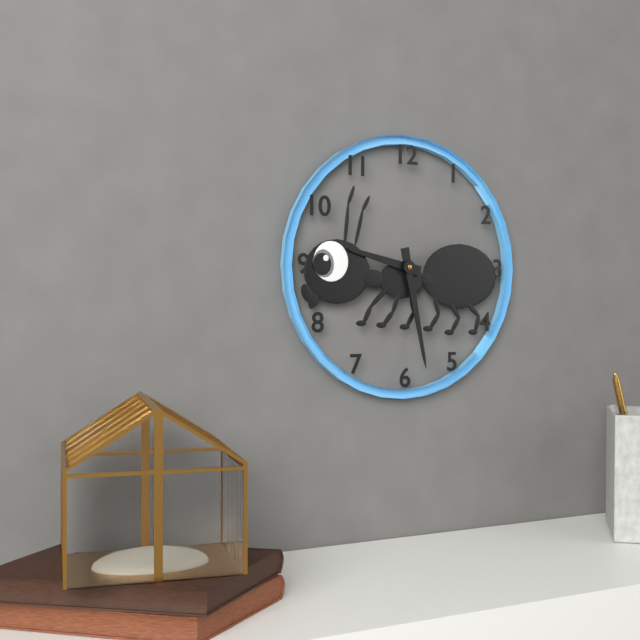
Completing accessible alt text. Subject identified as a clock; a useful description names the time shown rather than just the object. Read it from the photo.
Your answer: 9:28
